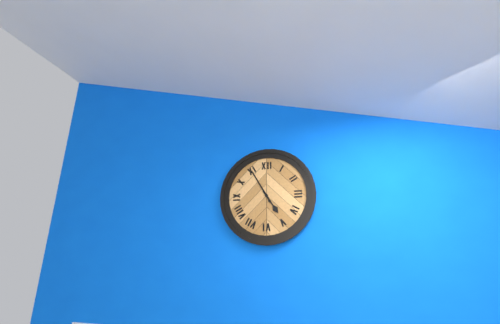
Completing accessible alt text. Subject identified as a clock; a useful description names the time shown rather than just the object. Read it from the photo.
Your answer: 4:55
